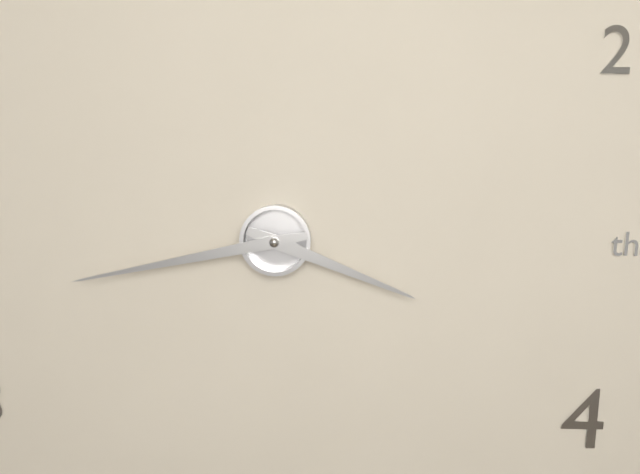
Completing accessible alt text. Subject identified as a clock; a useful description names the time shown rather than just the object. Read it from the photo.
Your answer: 3:43
